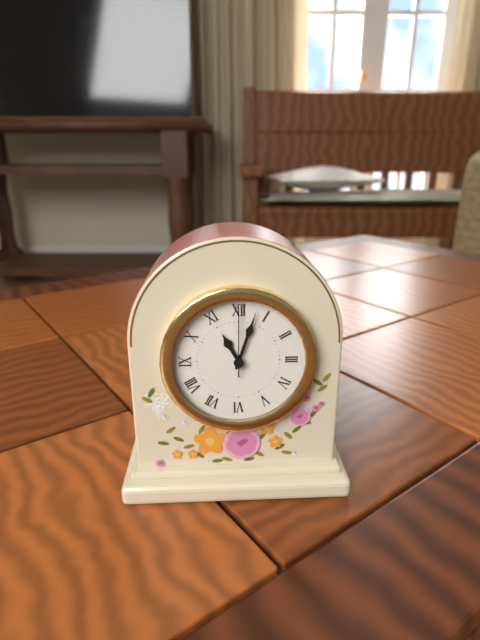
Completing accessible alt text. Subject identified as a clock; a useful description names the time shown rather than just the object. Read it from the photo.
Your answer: 11:03:00
